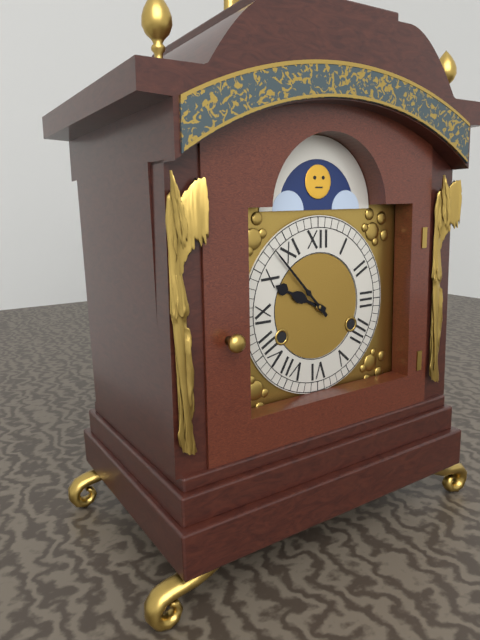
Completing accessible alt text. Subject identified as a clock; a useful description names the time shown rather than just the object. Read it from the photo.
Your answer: 9:53
